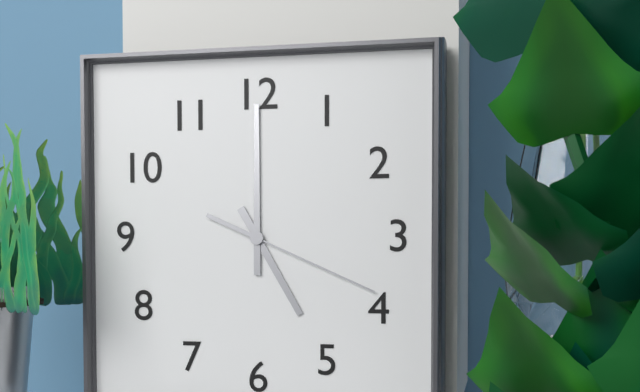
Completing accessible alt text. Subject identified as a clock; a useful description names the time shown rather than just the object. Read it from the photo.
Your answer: 5:00:19
